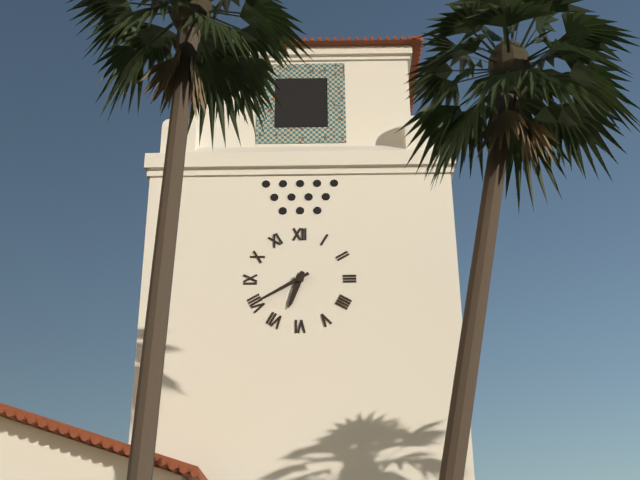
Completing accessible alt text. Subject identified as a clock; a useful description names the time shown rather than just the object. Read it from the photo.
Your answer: 6:40
